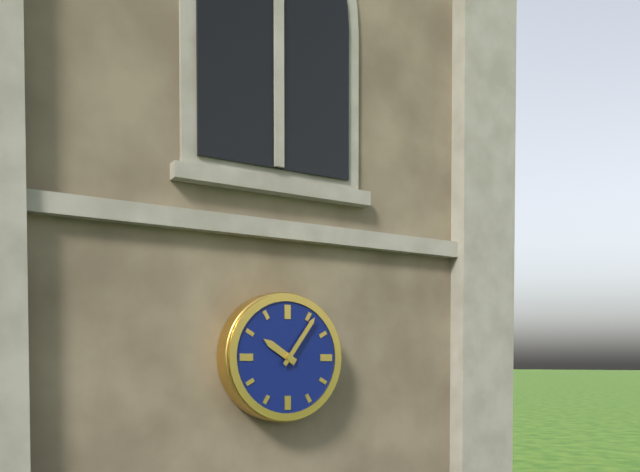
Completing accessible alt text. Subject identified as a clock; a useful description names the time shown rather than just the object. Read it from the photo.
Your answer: 10:06
